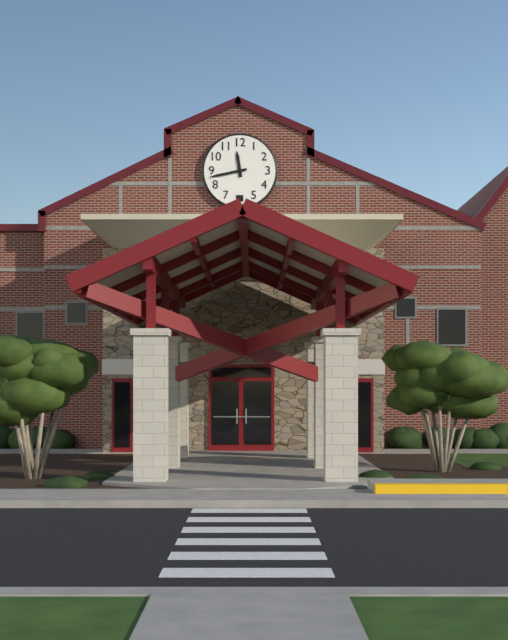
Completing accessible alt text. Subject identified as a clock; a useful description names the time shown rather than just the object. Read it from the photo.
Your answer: 11:43
